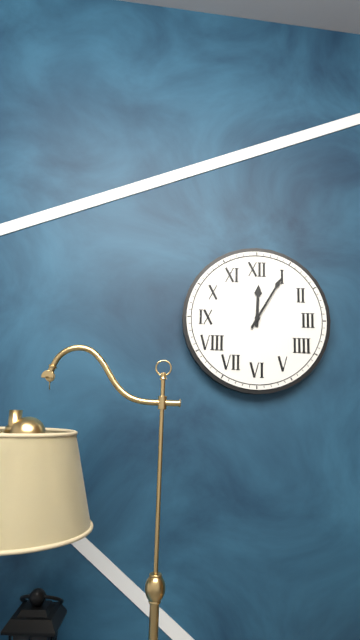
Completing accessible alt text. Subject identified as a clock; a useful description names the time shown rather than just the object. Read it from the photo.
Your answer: 12:05
